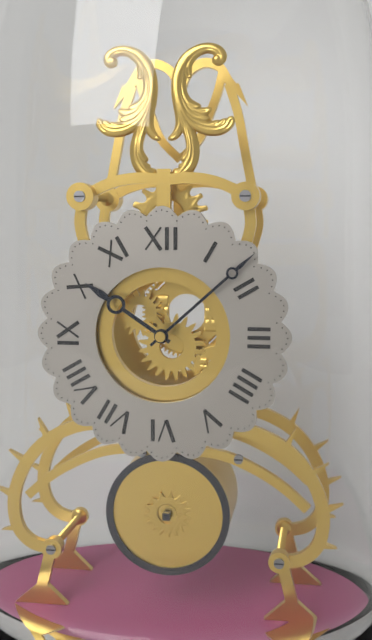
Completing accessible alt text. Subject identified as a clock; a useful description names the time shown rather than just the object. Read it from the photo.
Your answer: 10:08
